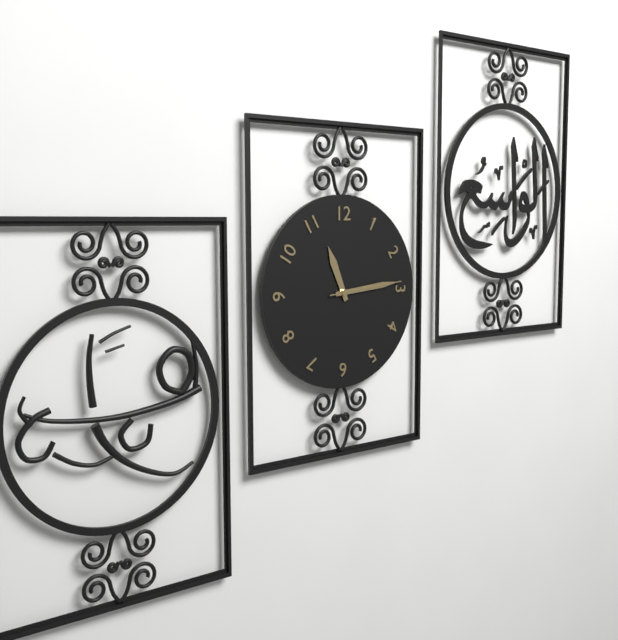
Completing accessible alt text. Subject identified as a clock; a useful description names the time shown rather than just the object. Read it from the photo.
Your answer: 11:14:14
